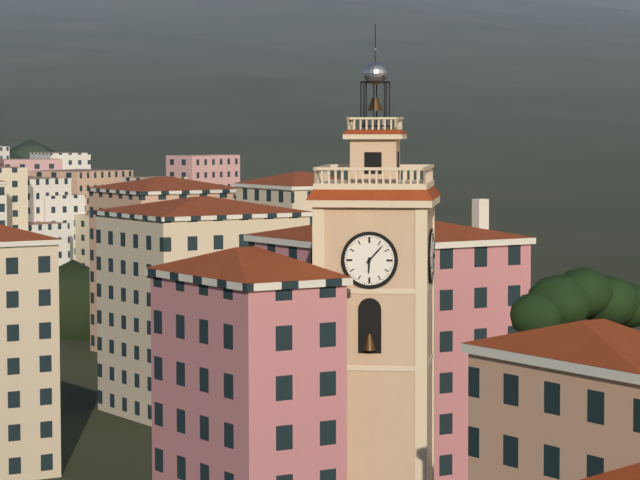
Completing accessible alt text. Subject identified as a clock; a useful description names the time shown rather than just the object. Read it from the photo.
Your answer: 6:07
